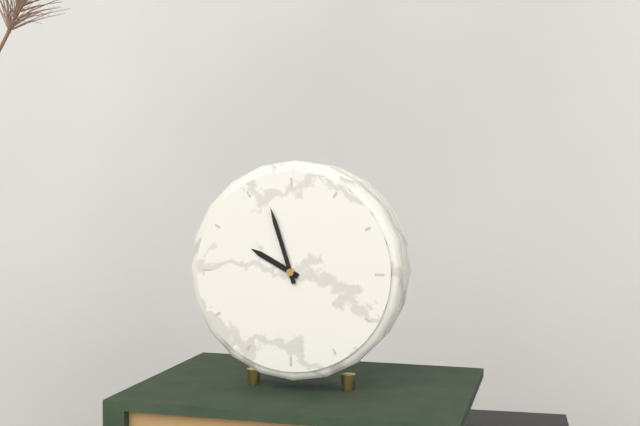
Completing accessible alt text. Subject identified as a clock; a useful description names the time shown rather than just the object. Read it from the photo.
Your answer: 9:57
